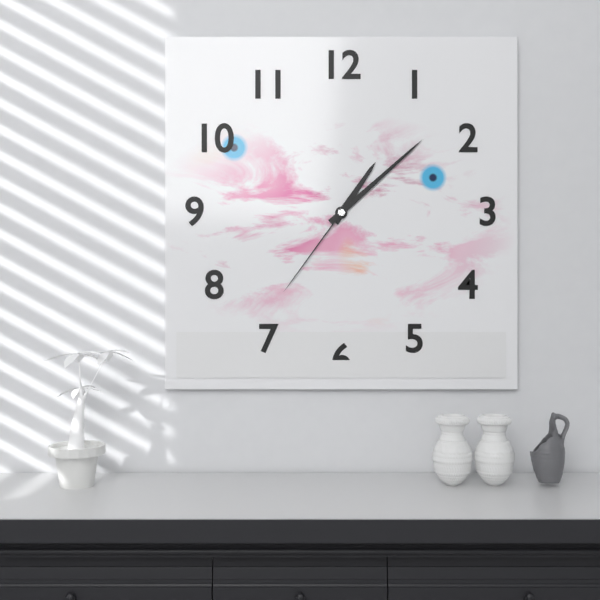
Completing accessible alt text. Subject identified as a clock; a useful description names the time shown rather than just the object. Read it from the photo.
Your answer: 1:08:36
